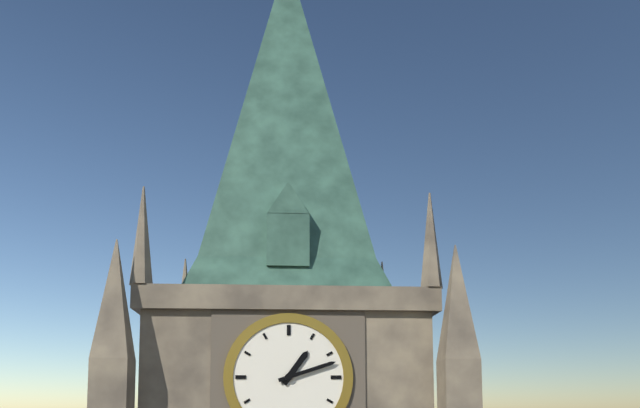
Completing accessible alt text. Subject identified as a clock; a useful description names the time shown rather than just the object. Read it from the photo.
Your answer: 1:12
